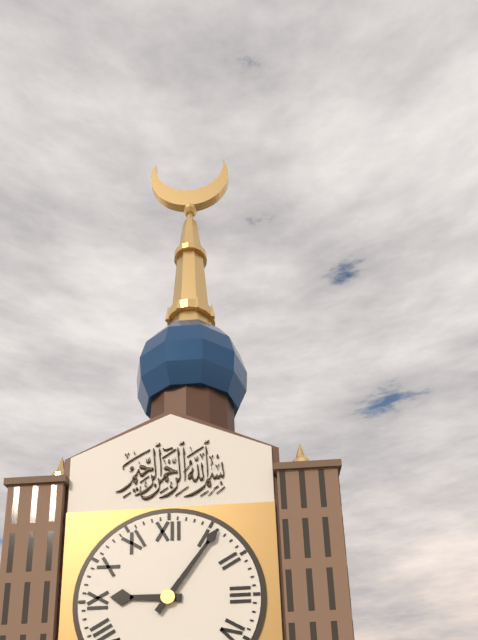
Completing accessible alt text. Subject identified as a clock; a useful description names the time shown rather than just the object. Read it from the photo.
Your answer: 9:06
